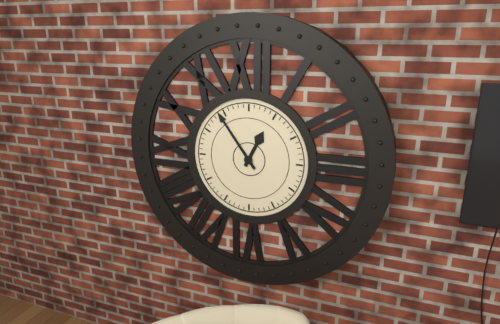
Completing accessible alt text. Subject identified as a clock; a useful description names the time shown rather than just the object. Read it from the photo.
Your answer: 12:54
